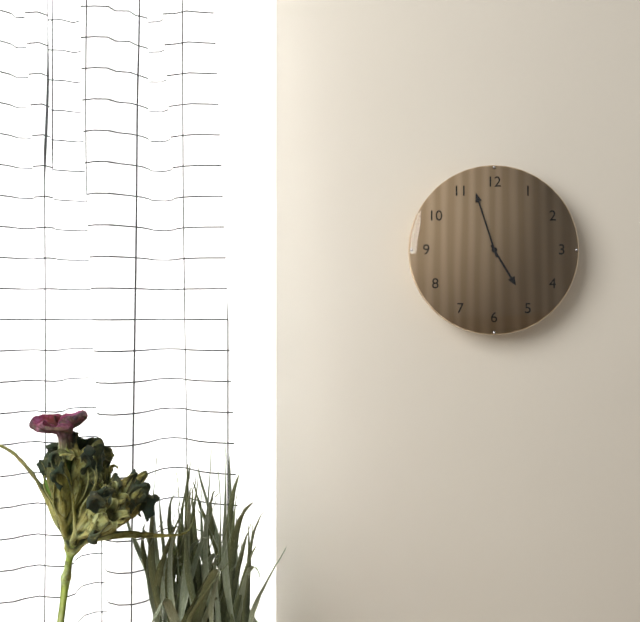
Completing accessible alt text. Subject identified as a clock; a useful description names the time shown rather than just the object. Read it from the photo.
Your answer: 4:57
